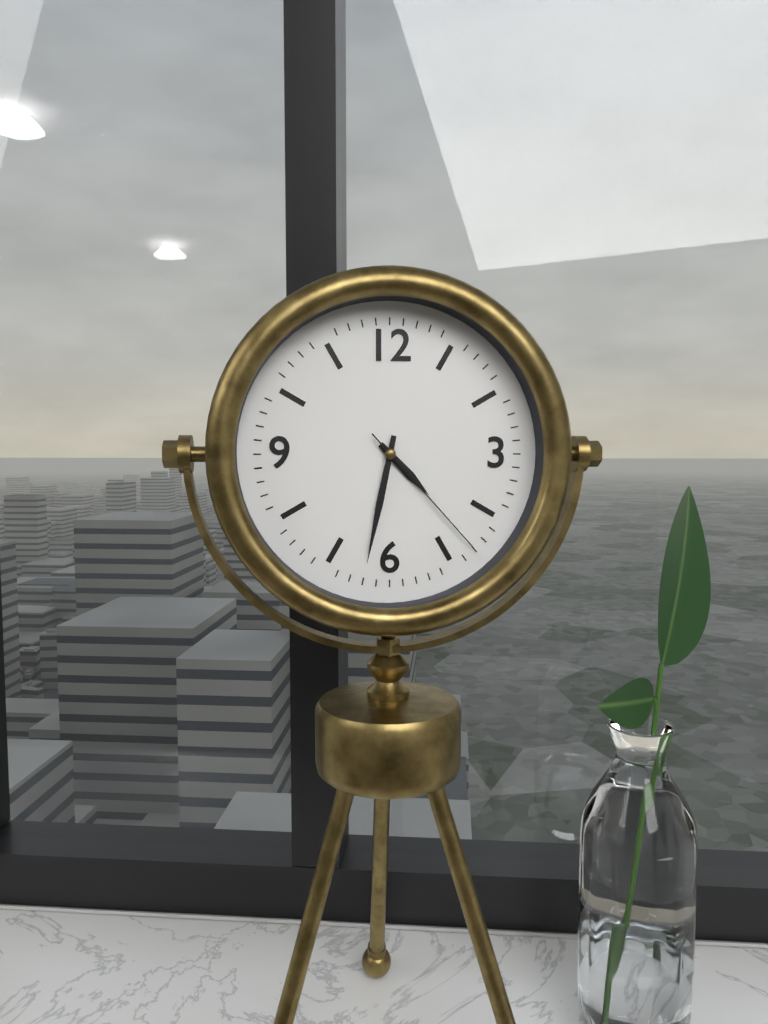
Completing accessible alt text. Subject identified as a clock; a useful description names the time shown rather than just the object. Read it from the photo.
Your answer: 4:32:23
